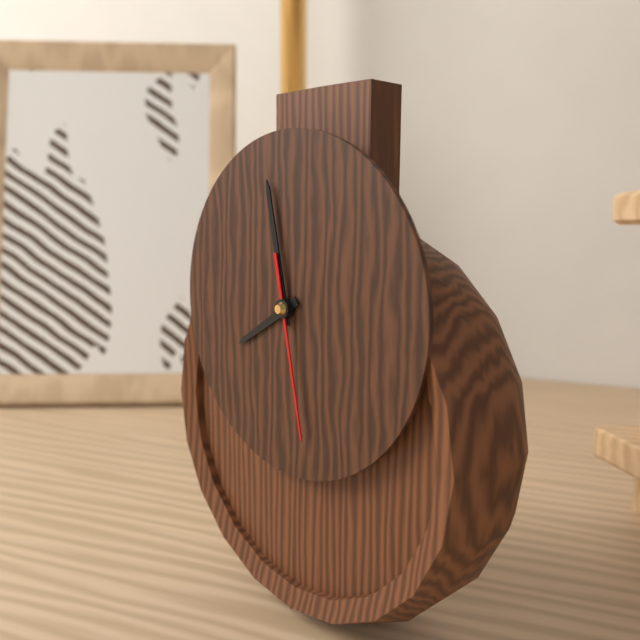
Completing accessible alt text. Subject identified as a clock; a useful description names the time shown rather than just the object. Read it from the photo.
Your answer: 7:58:28
